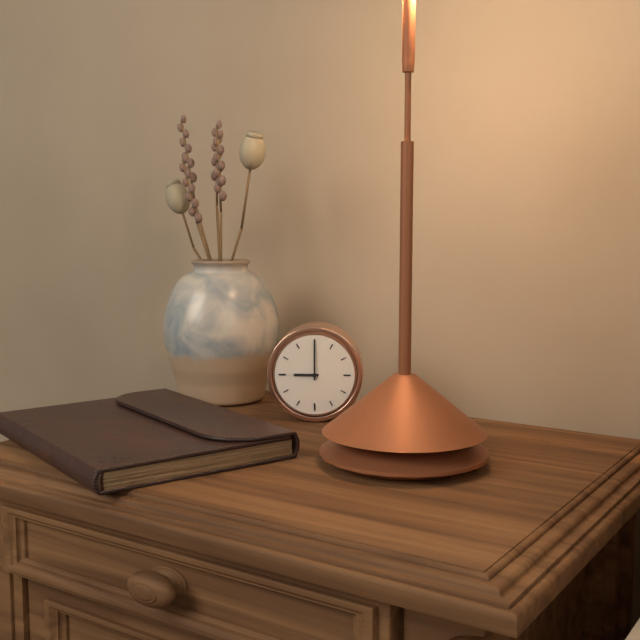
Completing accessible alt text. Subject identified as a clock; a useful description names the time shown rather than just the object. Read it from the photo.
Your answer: 9:00
